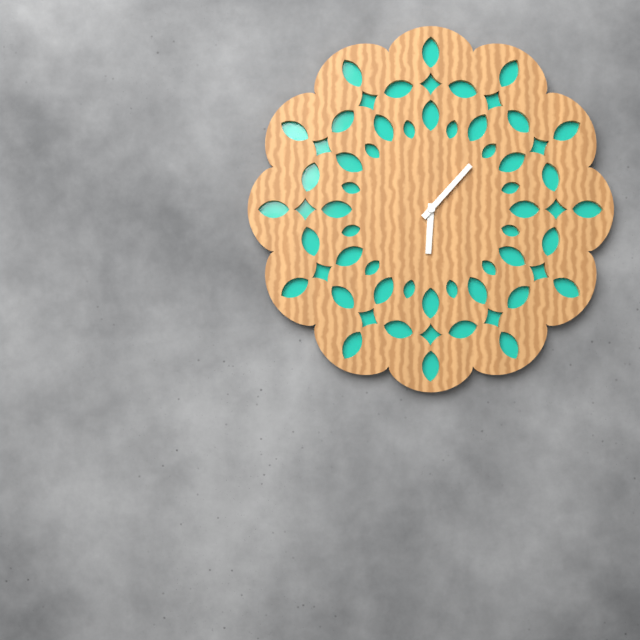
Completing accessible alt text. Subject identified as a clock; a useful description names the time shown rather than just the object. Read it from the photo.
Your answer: 6:07
